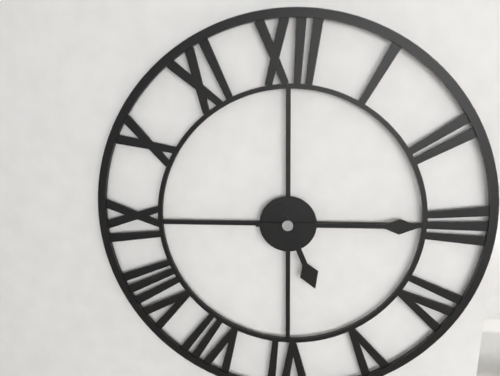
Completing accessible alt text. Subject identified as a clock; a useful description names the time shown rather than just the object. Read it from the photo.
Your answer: 5:15
